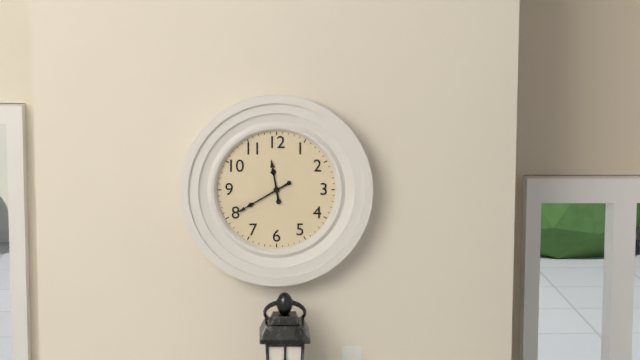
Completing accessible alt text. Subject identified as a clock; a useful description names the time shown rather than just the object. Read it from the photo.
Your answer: 11:40
